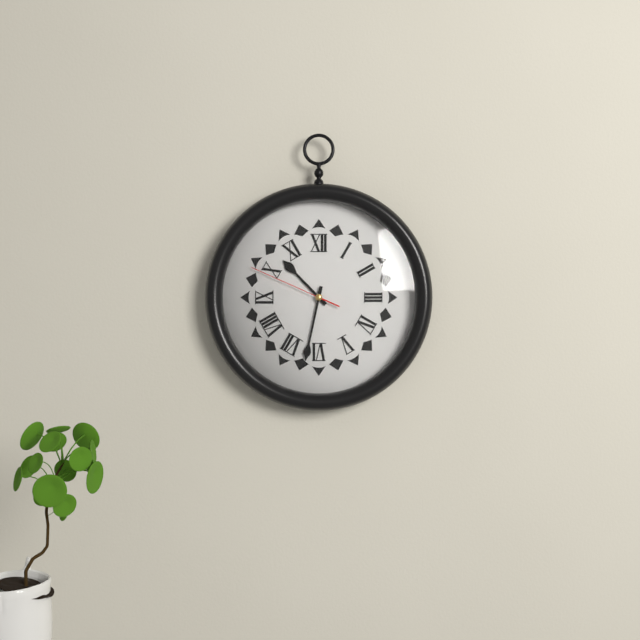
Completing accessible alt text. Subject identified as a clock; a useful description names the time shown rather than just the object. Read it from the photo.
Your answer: 10:32:49
